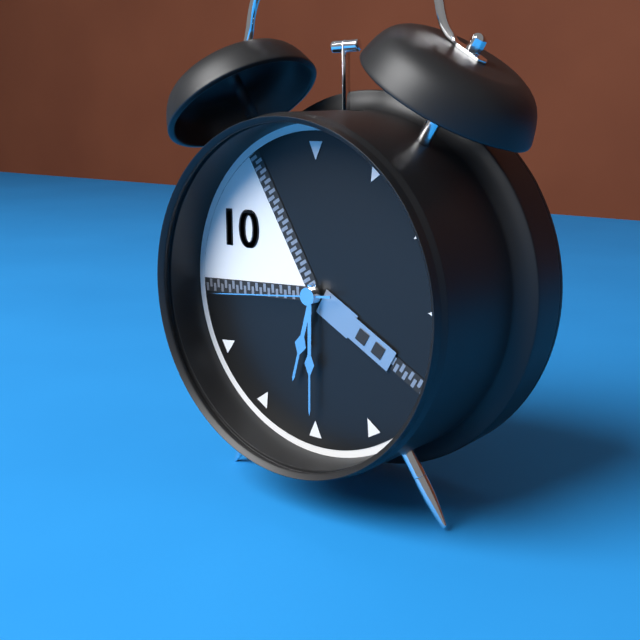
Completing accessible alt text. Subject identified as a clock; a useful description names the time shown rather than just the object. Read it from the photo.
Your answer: 6:30:44
